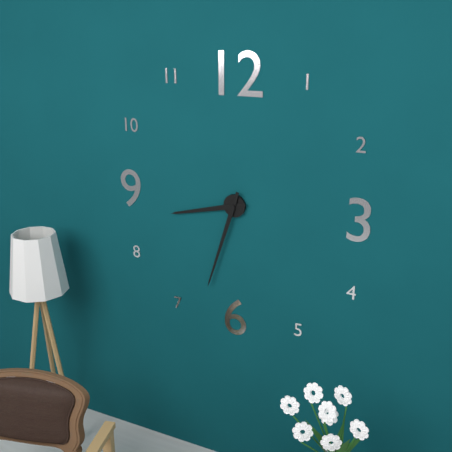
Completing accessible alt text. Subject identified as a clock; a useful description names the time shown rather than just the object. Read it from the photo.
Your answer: 8:33
